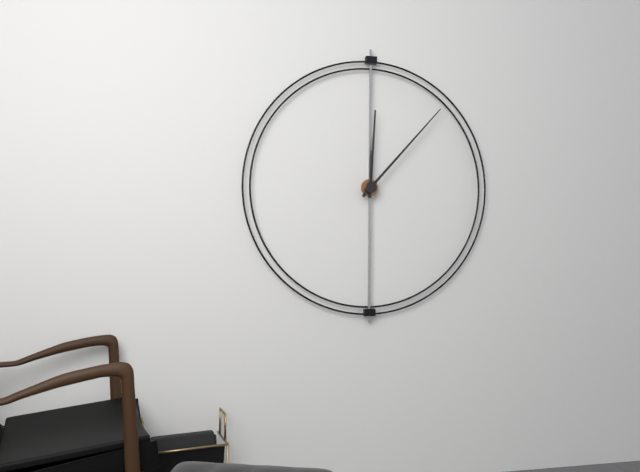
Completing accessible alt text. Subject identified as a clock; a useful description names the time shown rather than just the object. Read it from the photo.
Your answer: 12:07
